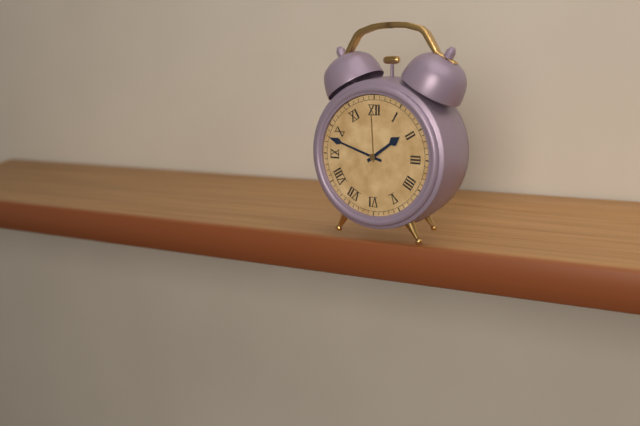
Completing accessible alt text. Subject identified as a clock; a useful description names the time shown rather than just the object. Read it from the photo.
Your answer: 1:48
